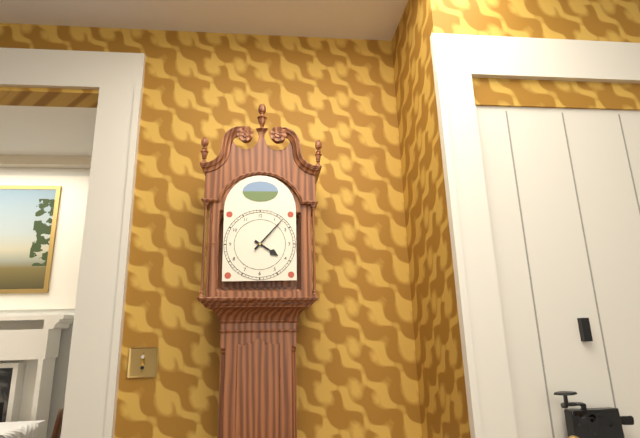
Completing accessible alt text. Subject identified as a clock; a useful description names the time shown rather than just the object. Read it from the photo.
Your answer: 4:07
